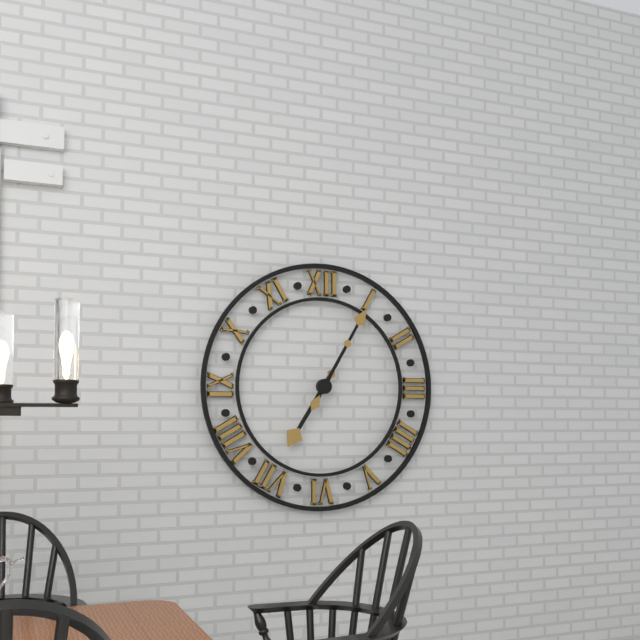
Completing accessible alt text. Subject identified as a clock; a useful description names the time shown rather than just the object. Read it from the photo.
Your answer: 7:05
